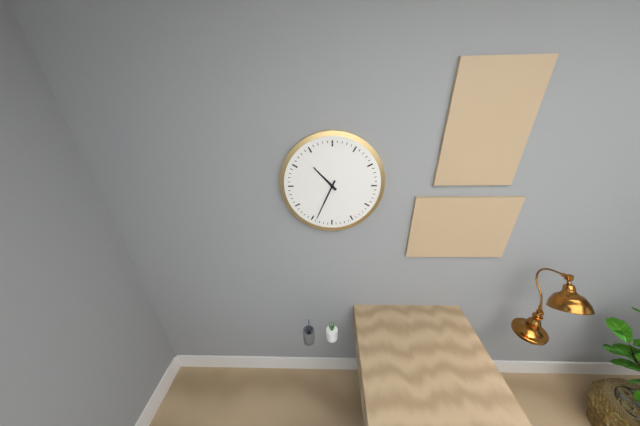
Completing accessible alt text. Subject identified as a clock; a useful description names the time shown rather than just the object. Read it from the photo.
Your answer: 10:34
